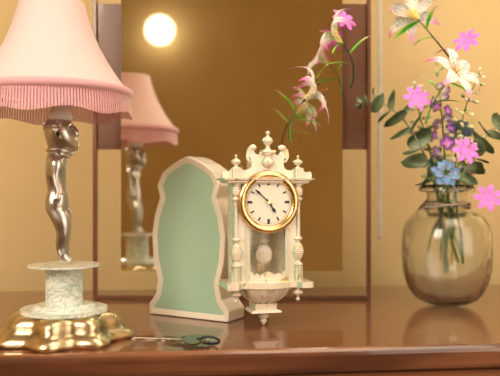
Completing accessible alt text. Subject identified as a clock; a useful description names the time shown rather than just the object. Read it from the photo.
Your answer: 4:52
